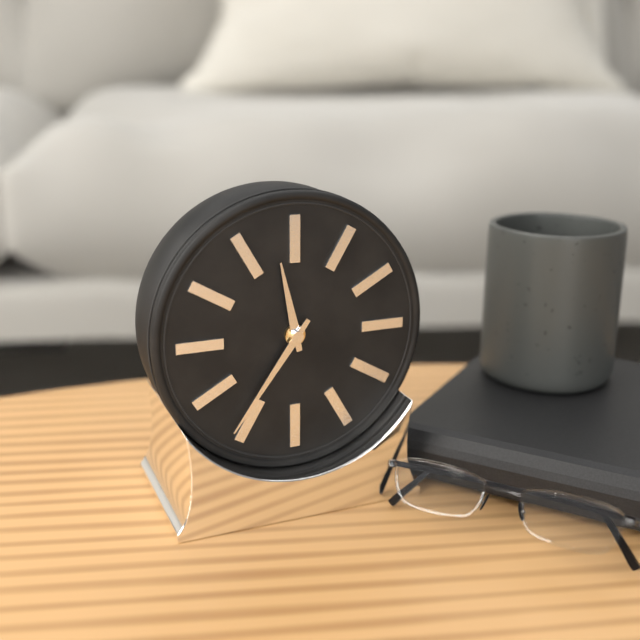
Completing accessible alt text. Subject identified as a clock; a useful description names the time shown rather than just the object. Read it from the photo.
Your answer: 11:36
